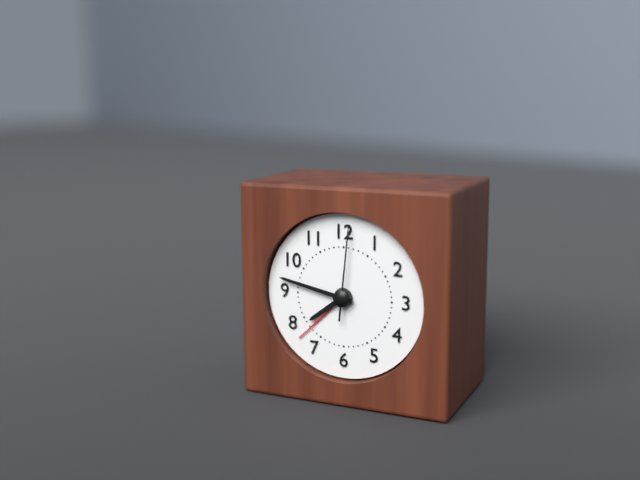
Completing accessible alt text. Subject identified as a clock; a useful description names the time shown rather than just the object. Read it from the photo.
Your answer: 7:47:01
